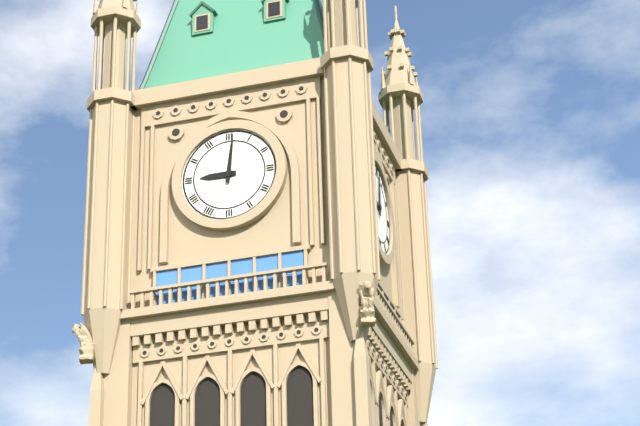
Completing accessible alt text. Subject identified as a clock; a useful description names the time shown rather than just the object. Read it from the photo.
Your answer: 9:01
